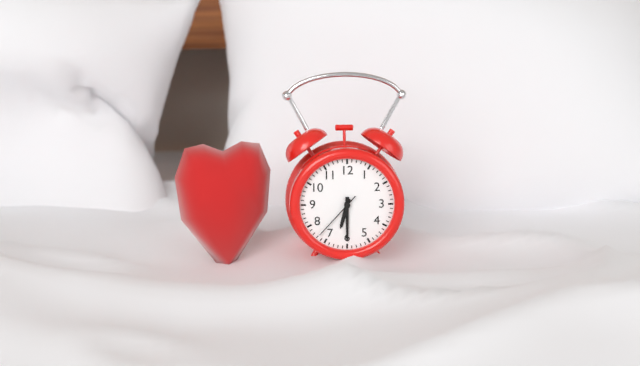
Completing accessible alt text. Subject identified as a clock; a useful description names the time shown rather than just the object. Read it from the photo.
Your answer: 6:30:37
